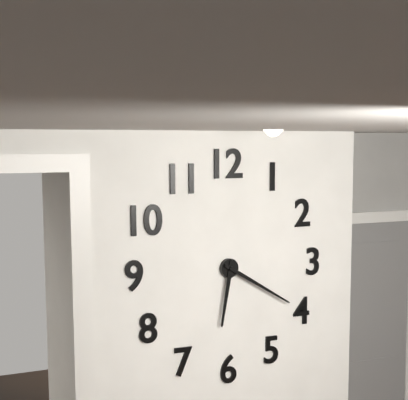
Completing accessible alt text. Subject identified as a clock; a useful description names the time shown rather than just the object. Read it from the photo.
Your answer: 6:20
